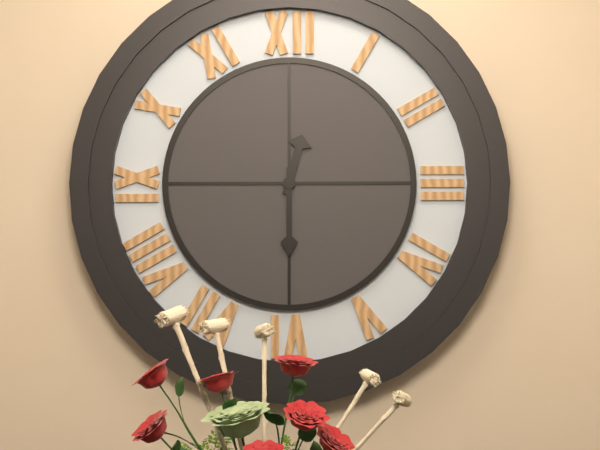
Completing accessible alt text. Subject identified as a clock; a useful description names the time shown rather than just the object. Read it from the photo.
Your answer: 12:30
